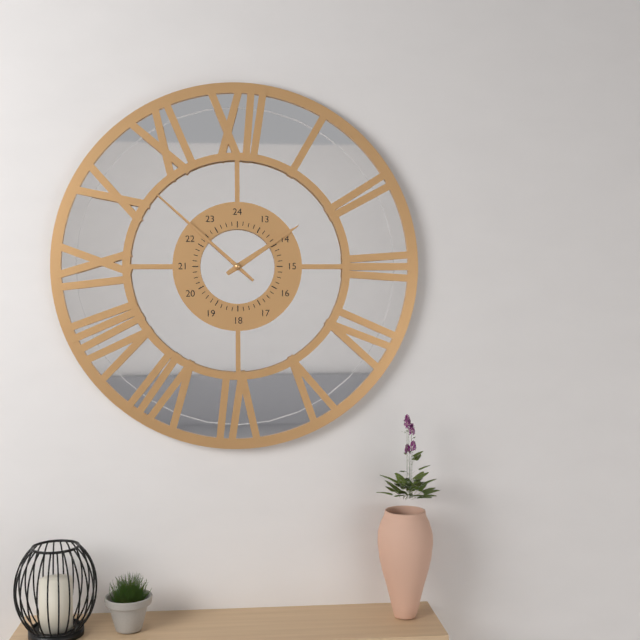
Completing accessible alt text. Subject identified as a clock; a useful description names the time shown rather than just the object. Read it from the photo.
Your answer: 1:52
